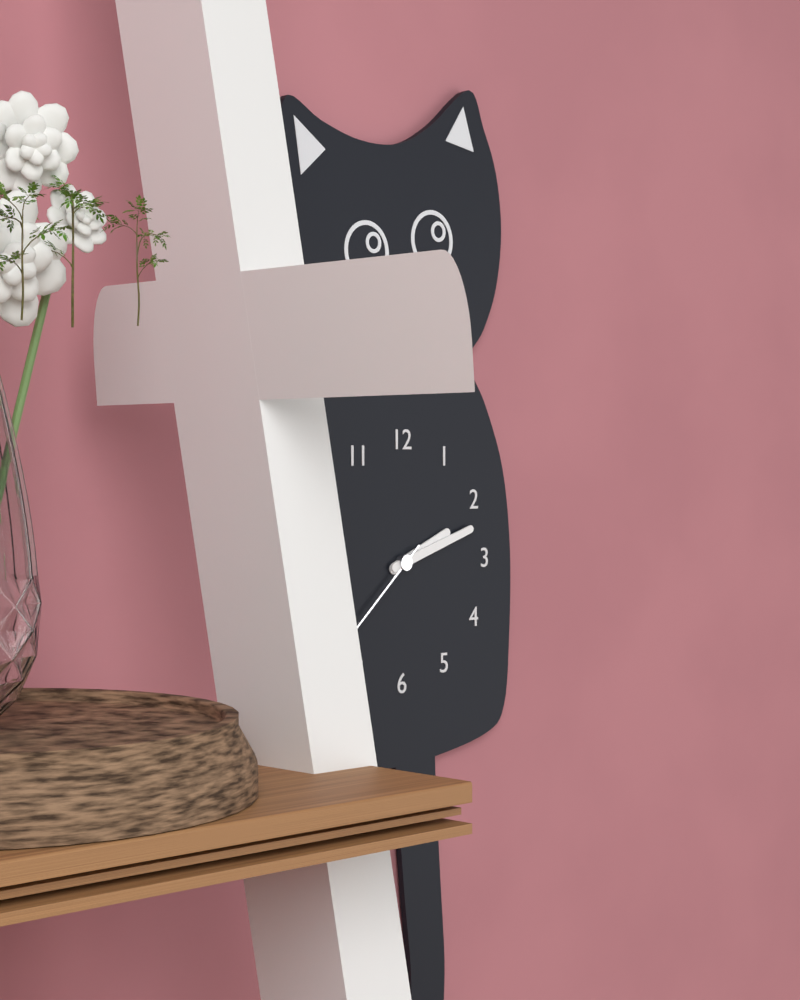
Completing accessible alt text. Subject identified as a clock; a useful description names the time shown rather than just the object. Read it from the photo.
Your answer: 2:12:38
